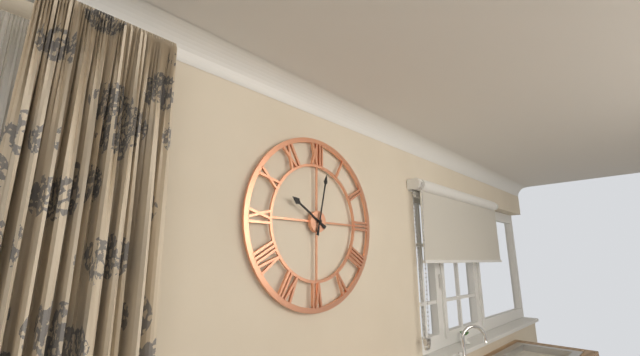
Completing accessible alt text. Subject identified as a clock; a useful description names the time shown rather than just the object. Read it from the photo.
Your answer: 10:02
